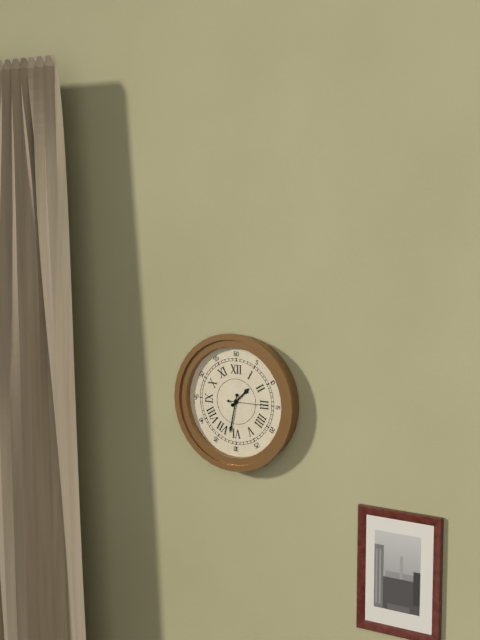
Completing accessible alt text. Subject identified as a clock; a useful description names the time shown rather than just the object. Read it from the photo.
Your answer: 1:32
